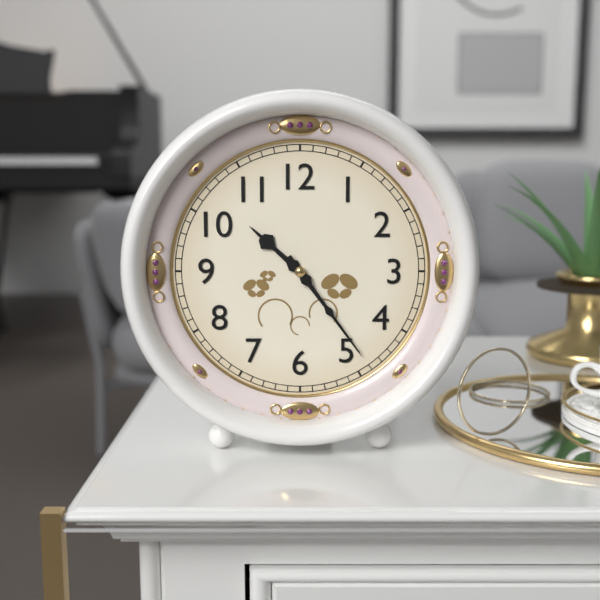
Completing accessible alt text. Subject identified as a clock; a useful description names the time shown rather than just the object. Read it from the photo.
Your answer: 10:24
